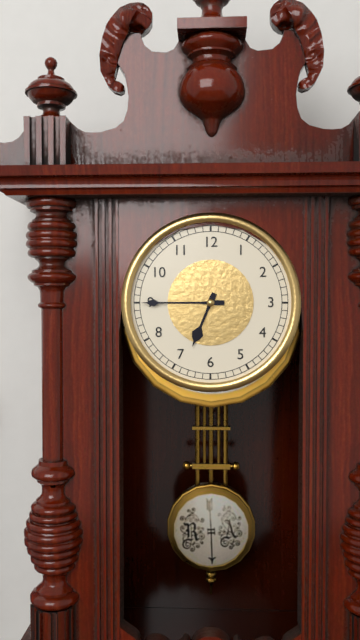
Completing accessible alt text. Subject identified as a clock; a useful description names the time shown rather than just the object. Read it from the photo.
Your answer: 6:45
